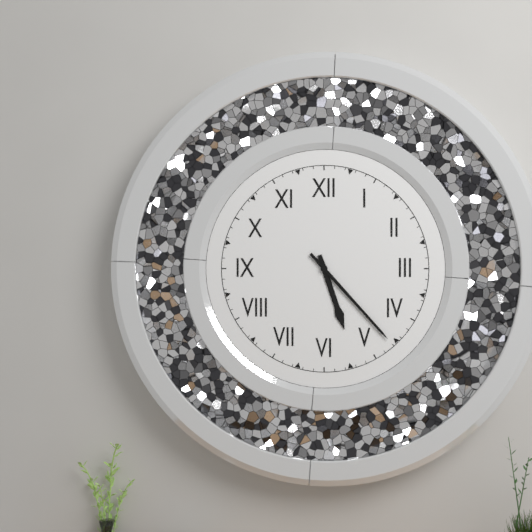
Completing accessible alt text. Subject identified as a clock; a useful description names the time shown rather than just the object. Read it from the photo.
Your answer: 5:23
